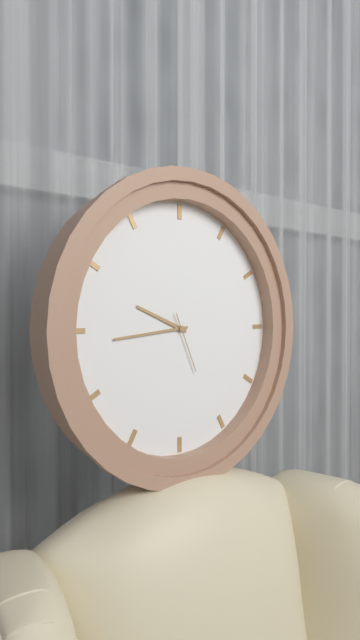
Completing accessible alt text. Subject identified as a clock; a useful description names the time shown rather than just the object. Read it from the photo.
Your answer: 9:44:26
